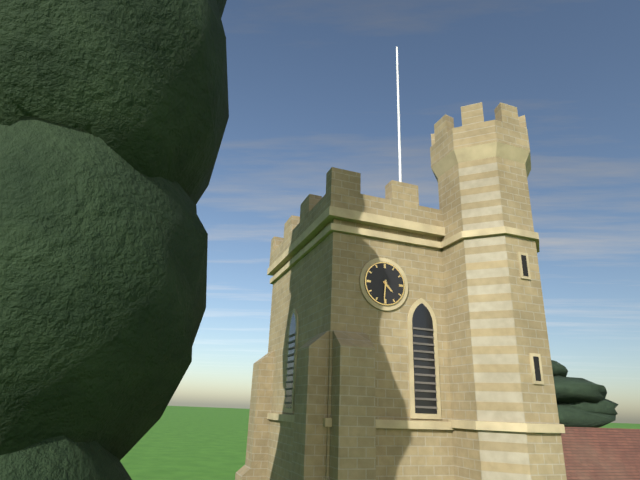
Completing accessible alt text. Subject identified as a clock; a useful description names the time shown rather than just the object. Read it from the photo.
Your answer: 4:31
